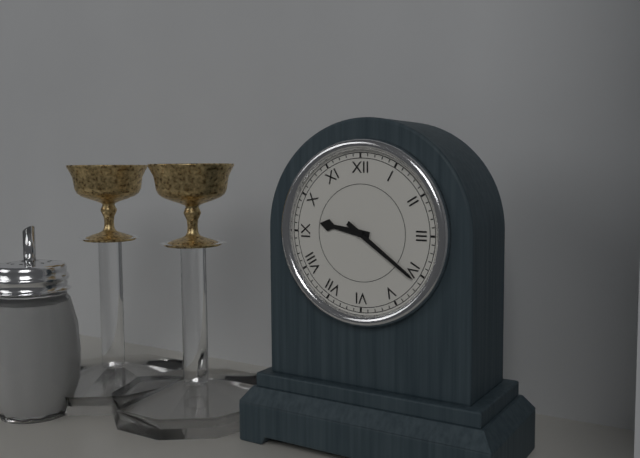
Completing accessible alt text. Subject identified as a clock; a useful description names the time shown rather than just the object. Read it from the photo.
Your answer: 9:21
